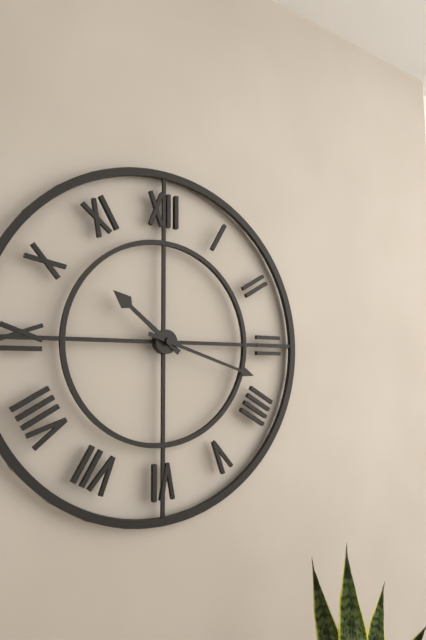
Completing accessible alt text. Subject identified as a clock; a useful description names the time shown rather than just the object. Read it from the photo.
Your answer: 10:18
